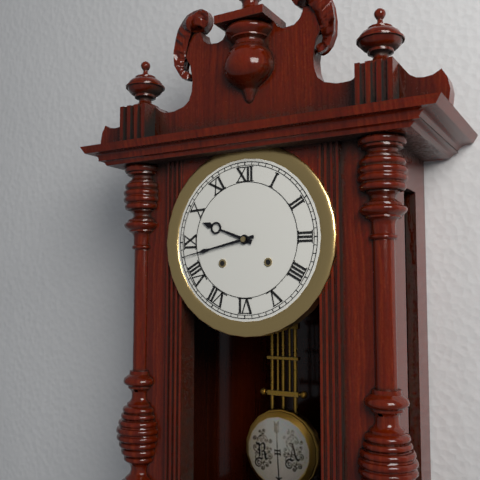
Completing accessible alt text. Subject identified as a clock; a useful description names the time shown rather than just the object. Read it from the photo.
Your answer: 9:43
